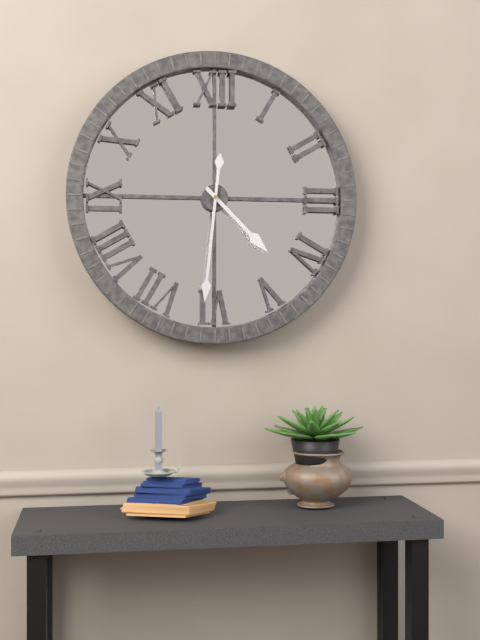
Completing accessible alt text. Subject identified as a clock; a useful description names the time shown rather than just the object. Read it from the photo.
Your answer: 4:31
